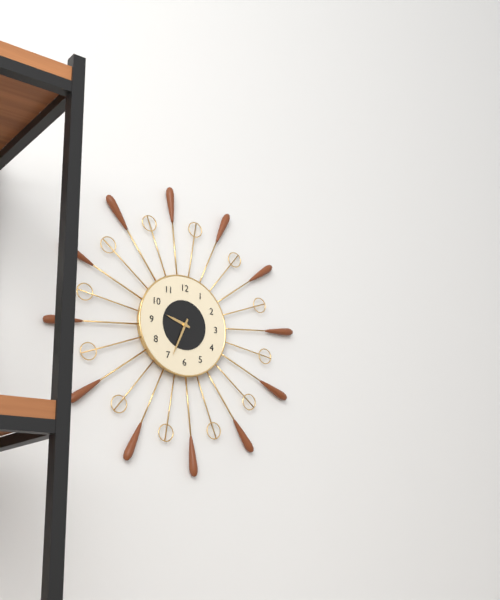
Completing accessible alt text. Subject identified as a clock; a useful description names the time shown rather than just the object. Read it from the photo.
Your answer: 9:34
